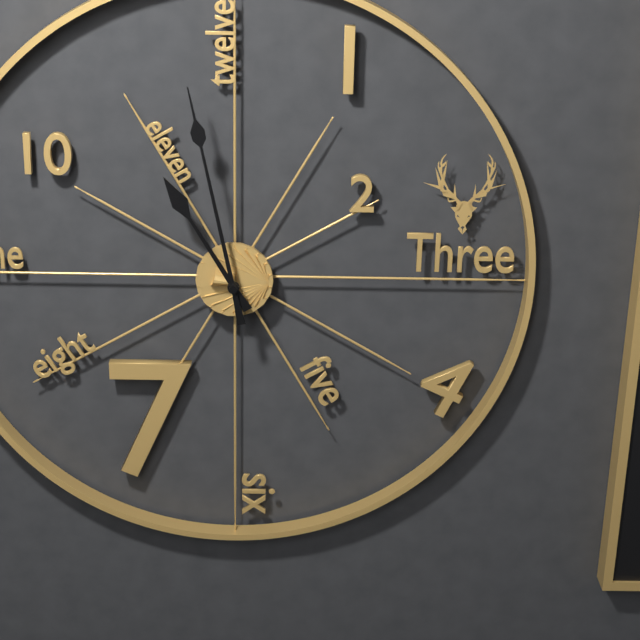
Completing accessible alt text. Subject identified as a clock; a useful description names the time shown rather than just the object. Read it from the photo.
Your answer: 10:58
